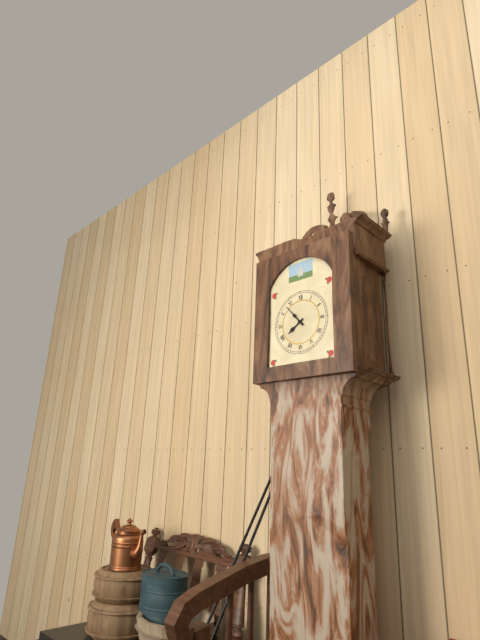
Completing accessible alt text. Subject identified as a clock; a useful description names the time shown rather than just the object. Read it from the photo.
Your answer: 7:53
